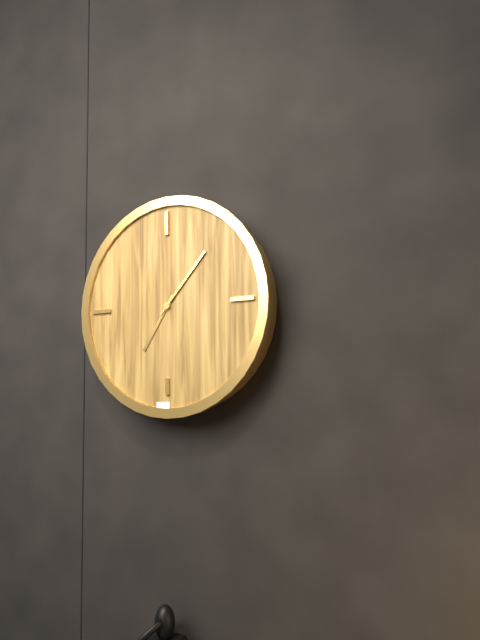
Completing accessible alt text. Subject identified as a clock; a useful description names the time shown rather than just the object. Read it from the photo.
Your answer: 7:07
